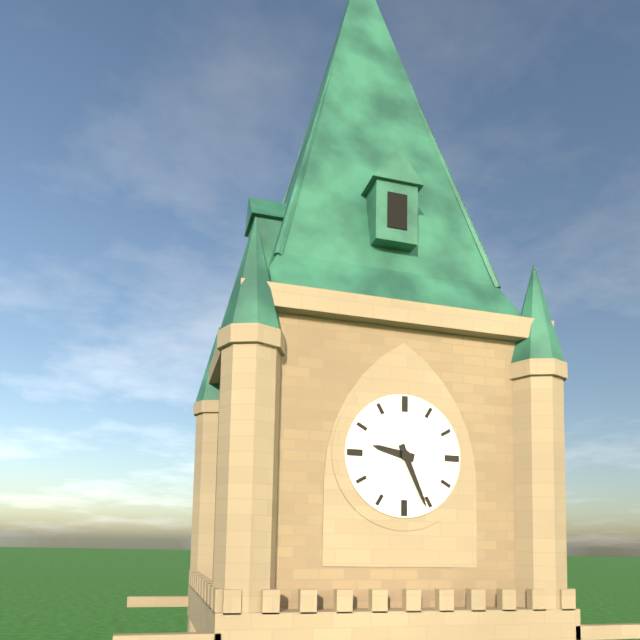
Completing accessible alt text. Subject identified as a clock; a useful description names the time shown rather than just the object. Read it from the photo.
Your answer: 9:26
